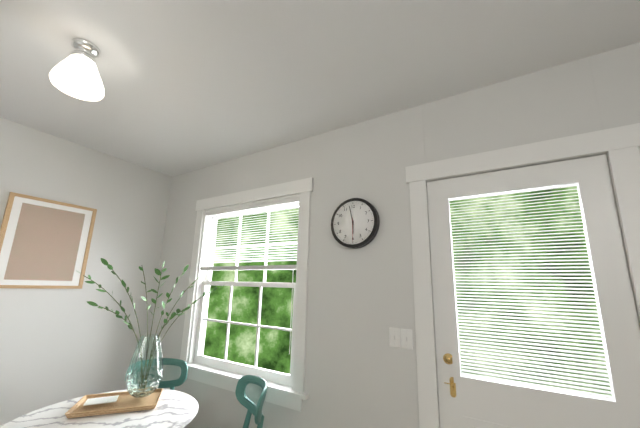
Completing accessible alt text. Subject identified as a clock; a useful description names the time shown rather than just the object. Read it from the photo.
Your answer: 5:58
